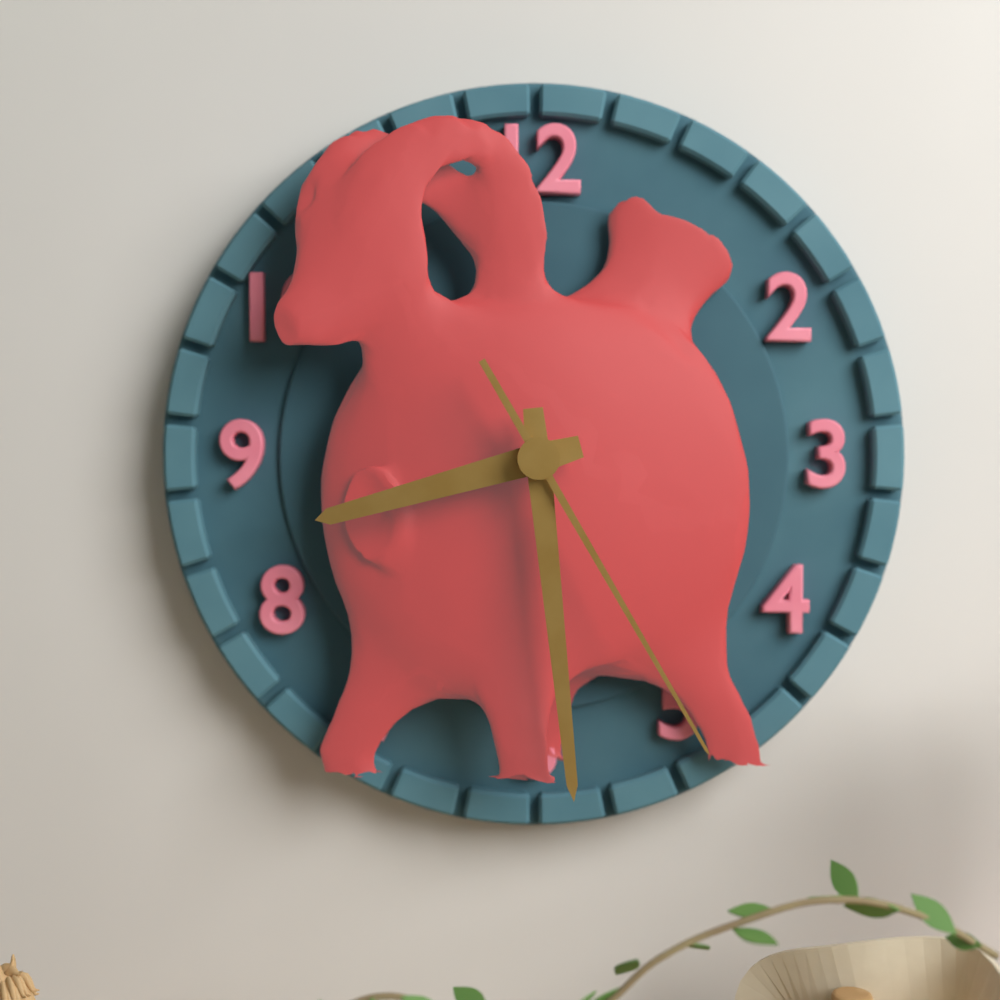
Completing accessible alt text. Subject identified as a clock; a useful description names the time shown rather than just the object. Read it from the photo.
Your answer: 8:29:25
